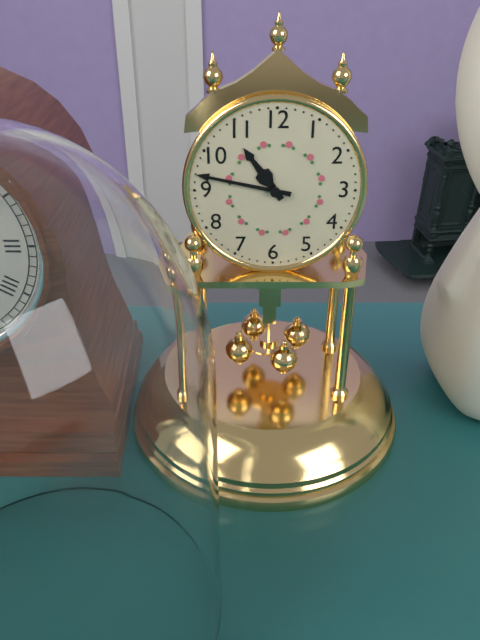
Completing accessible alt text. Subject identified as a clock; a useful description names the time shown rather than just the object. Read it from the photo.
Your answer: 10:47
